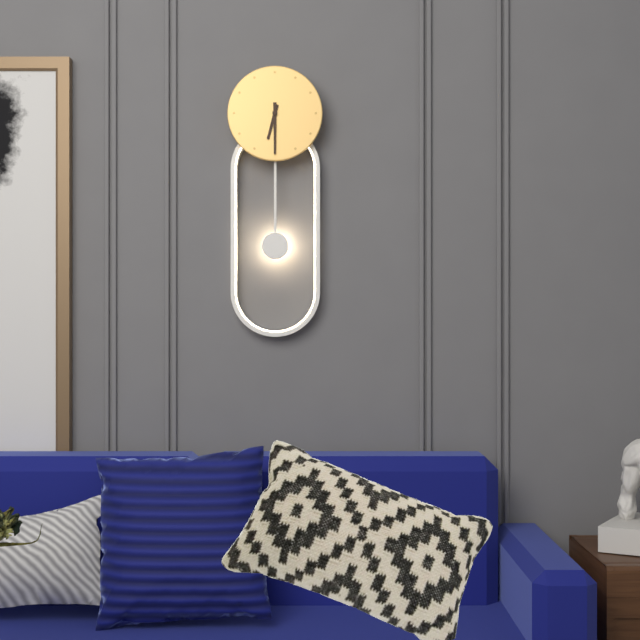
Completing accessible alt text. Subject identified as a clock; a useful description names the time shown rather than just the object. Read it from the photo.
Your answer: 6:30
